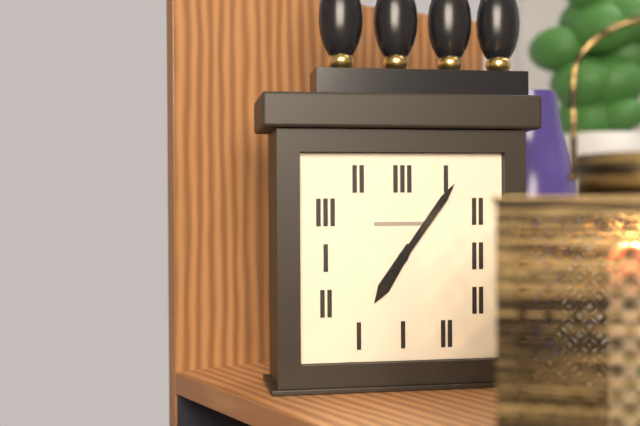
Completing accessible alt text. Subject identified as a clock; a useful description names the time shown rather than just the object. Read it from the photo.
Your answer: 7:06
